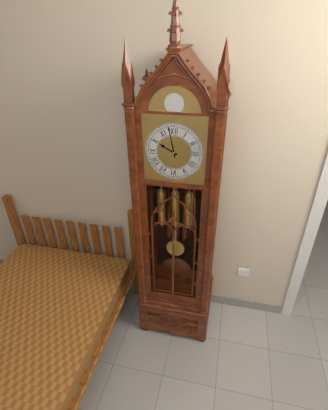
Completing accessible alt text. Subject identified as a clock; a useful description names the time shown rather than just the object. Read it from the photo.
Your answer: 9:58
